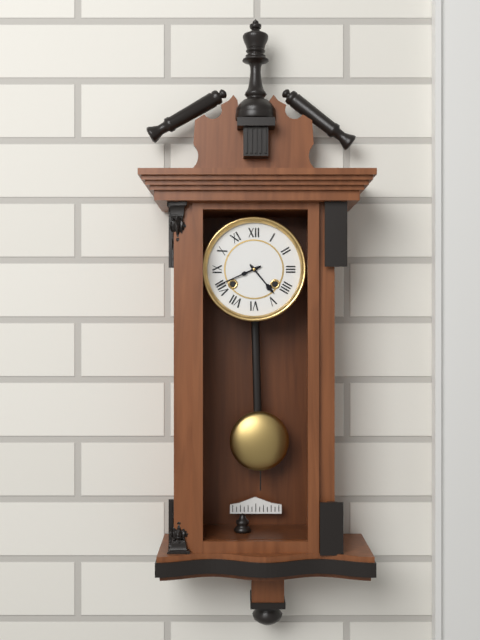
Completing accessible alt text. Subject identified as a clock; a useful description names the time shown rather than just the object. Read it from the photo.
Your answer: 4:41
